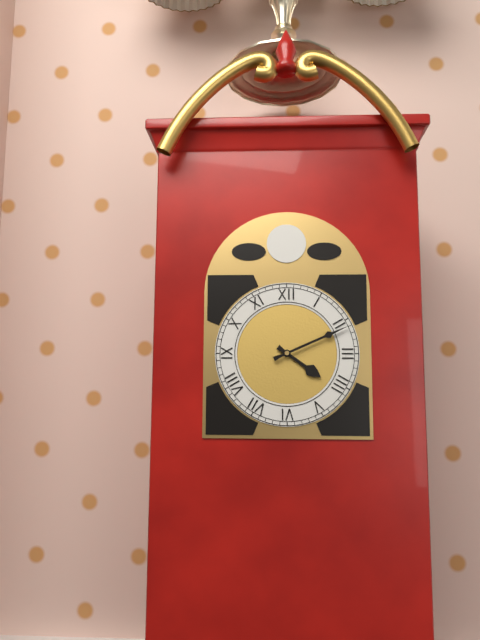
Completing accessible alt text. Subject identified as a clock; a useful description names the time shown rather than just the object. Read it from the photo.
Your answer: 4:11
